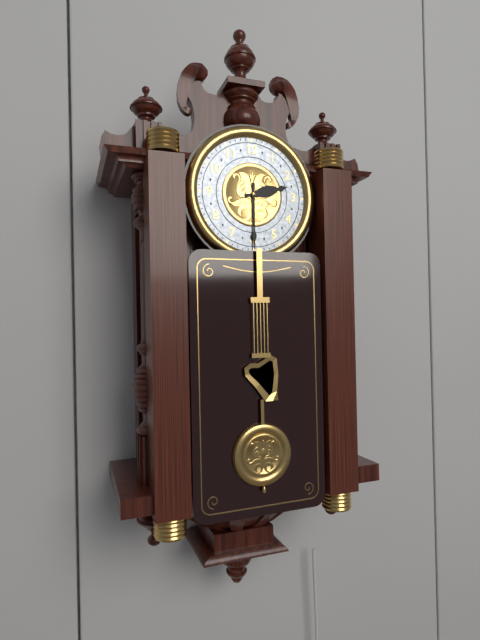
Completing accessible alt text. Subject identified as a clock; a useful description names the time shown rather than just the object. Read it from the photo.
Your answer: 2:30
